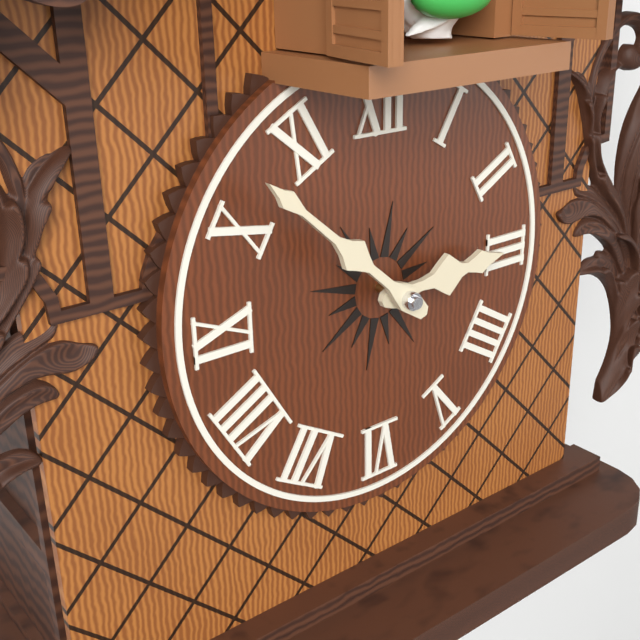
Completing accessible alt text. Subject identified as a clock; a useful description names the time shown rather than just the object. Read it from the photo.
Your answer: 2:52
